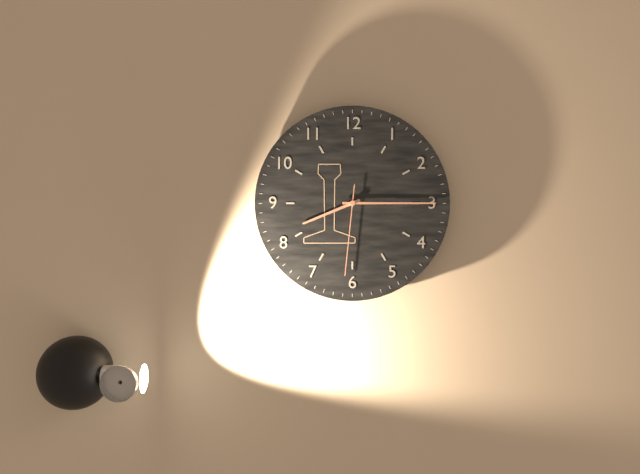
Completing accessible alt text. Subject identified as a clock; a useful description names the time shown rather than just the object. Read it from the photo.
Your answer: 8:15:31
